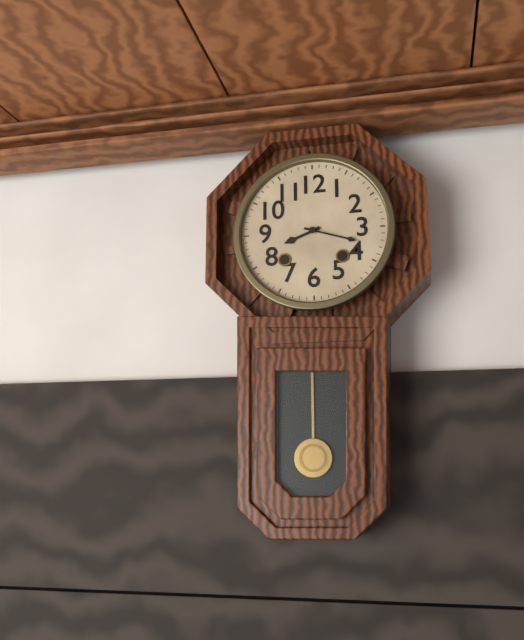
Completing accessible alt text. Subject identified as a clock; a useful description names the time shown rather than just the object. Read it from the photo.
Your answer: 8:18
